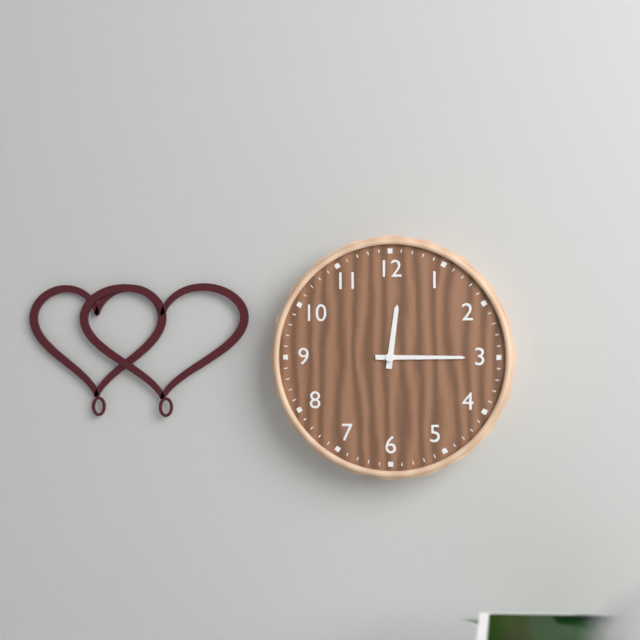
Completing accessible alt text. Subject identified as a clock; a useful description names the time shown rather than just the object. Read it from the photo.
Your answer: 12:15
